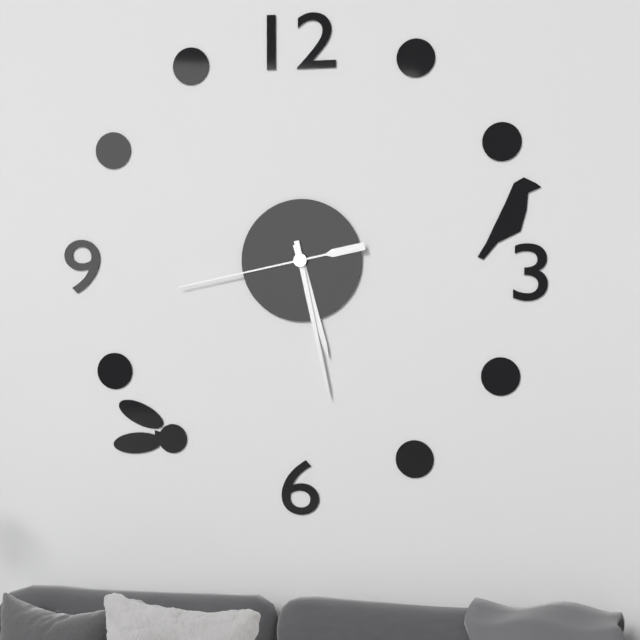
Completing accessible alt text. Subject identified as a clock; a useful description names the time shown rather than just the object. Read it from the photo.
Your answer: 5:28:43
